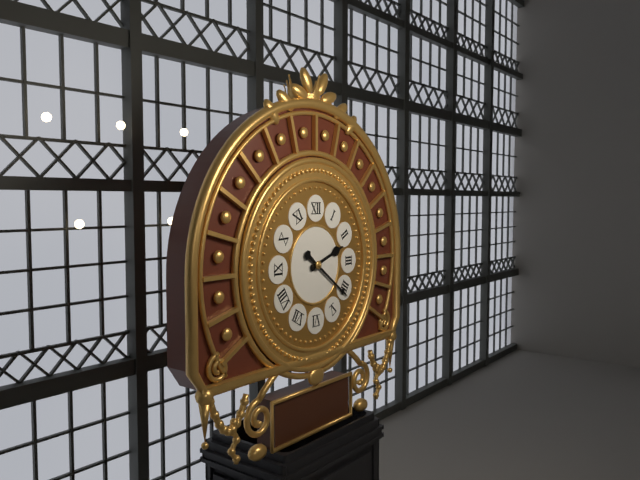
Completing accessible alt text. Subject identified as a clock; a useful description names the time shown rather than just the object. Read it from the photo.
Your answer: 2:21
